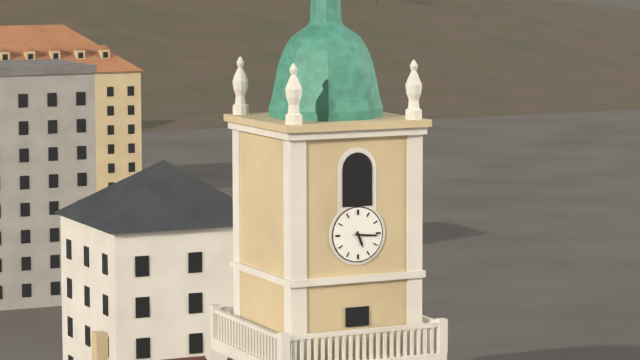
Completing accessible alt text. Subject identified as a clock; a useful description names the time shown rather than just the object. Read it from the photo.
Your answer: 5:16
